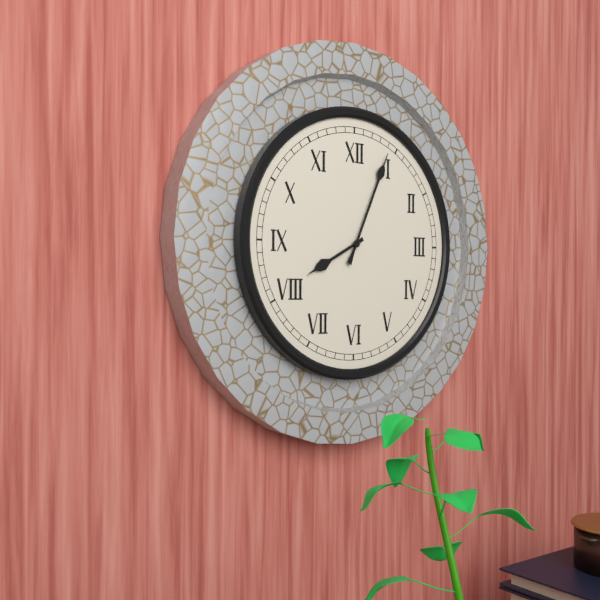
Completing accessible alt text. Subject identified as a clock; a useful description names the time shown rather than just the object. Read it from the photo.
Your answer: 8:04
